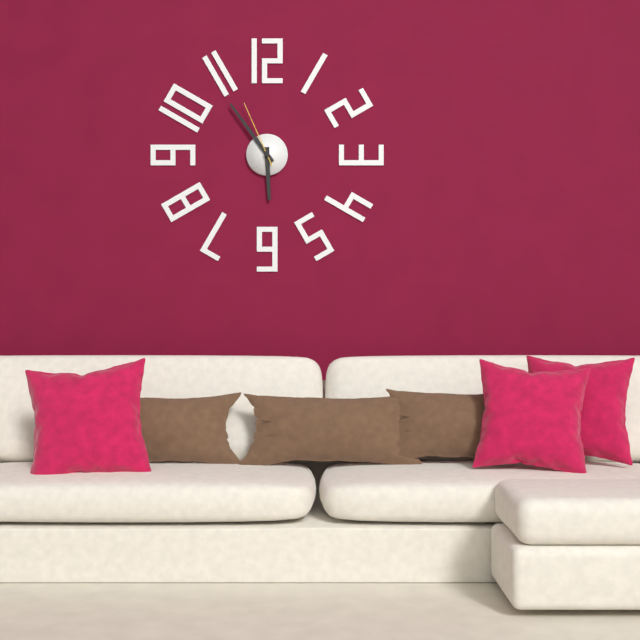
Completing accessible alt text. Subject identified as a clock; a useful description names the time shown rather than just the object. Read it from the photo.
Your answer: 5:54:56
